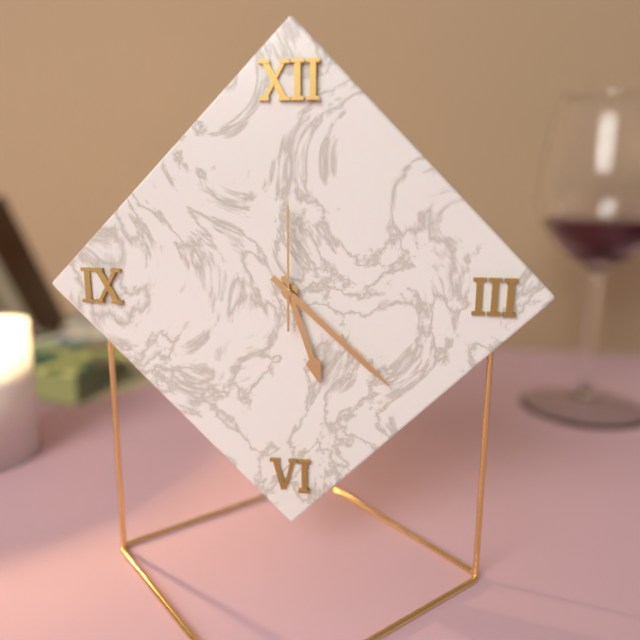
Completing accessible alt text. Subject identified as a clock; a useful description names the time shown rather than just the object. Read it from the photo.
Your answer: 5:22:00
